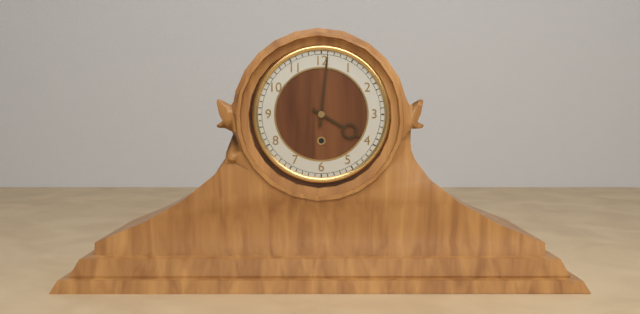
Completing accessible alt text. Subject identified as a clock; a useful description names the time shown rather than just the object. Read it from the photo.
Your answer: 4:01
